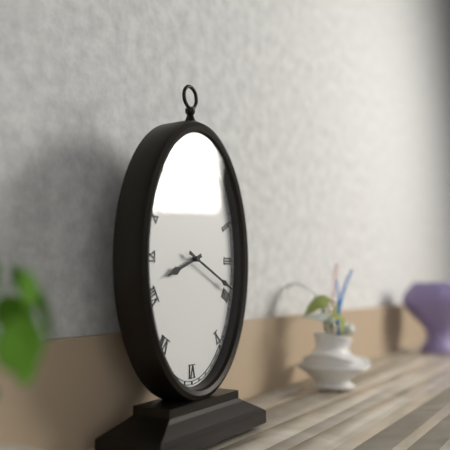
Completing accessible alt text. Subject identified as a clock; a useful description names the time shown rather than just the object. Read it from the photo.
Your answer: 8:19
